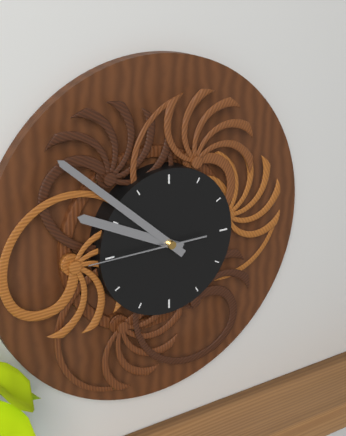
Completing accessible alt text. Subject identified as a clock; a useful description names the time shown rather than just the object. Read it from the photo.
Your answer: 9:52:45
